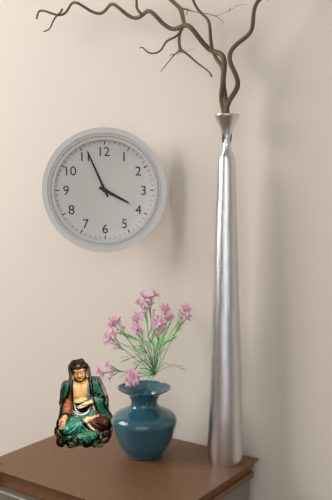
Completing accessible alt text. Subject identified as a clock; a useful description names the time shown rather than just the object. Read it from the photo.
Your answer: 3:56
